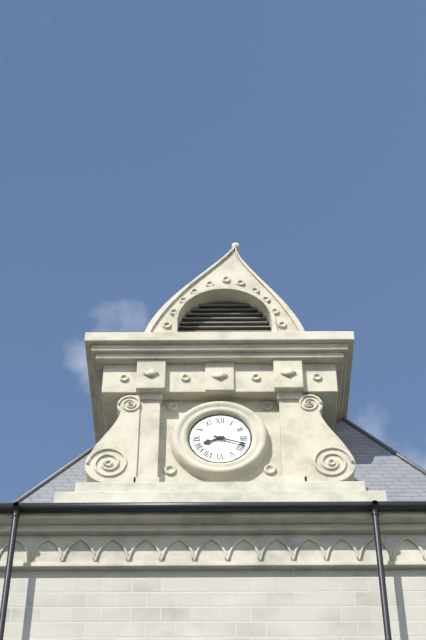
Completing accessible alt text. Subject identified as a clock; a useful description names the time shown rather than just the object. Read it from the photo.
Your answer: 8:18
